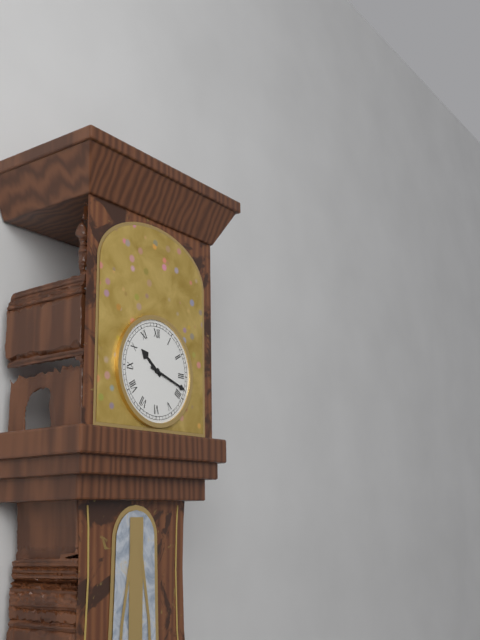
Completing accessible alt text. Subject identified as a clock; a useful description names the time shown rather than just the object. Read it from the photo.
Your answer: 10:18
